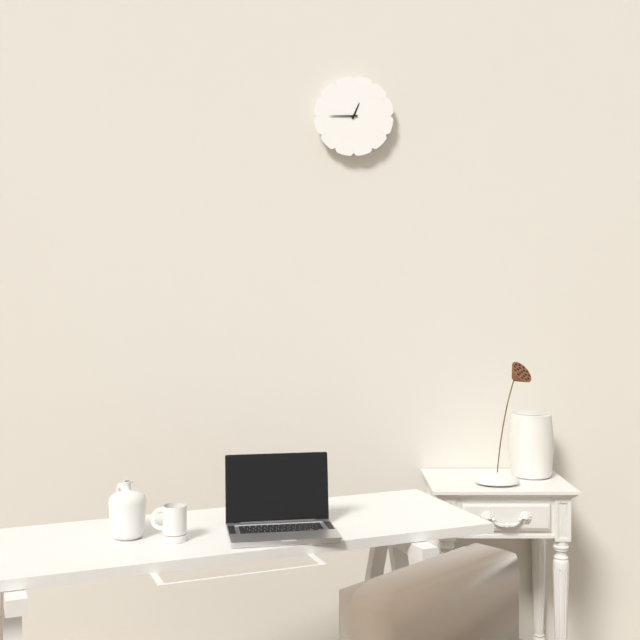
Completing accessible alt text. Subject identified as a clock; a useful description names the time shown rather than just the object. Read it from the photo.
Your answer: 12:45
